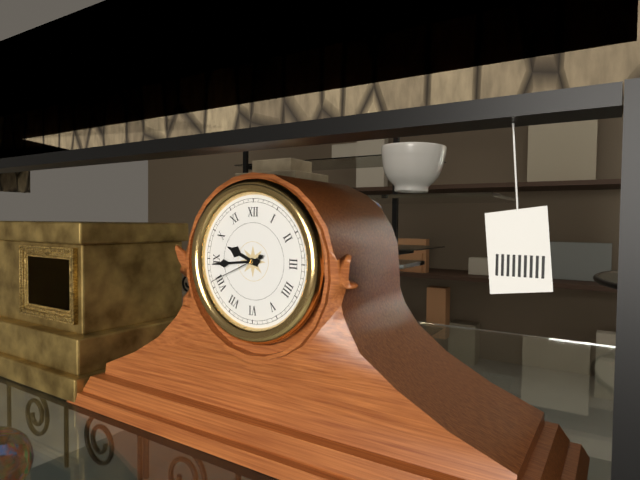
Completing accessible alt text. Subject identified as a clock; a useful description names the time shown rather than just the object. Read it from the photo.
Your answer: 9:44:41
